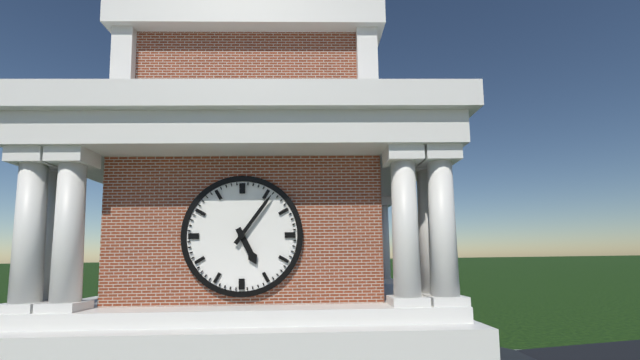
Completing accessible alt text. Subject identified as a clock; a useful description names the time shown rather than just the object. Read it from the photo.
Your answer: 5:06
